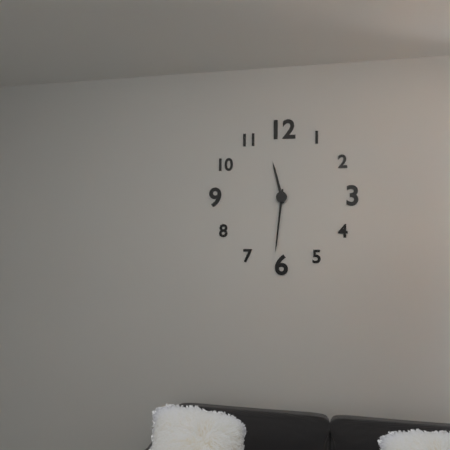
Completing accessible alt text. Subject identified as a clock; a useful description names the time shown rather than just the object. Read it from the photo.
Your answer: 11:31
